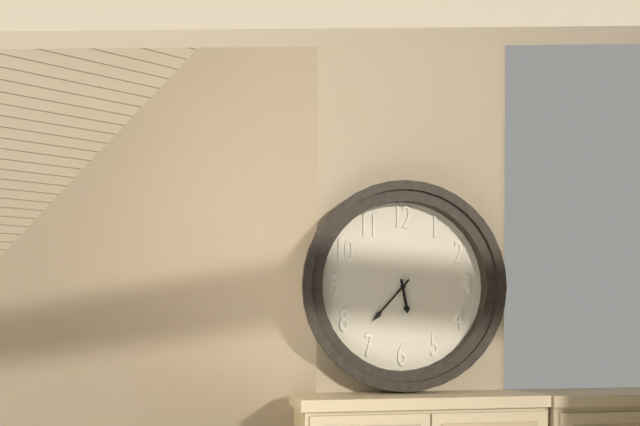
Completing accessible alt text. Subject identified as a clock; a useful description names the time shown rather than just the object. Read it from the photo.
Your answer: 5:37
